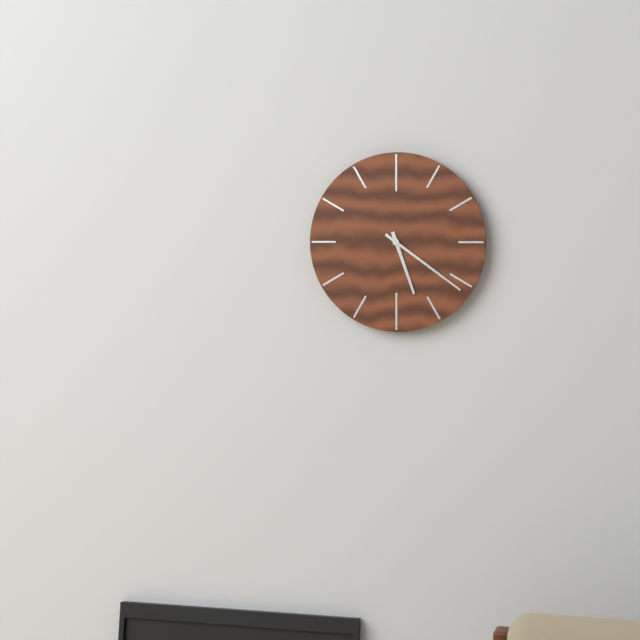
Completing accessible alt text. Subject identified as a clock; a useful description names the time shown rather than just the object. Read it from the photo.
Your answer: 5:21
